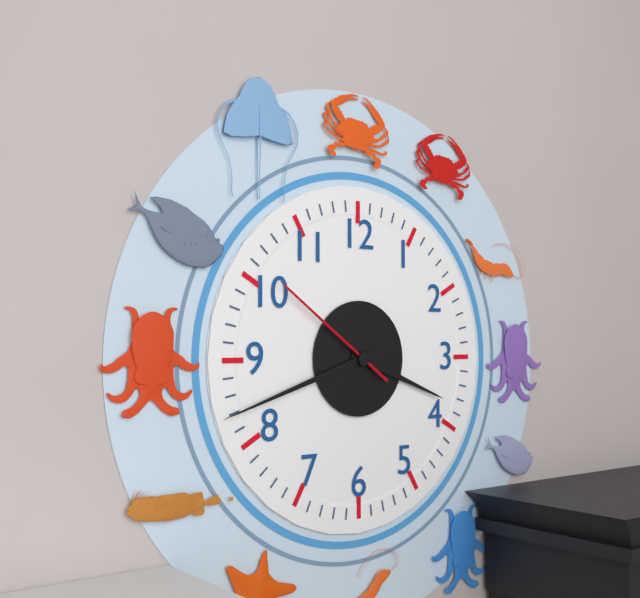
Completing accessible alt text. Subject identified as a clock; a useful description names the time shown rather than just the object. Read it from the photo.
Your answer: 3:42:51
